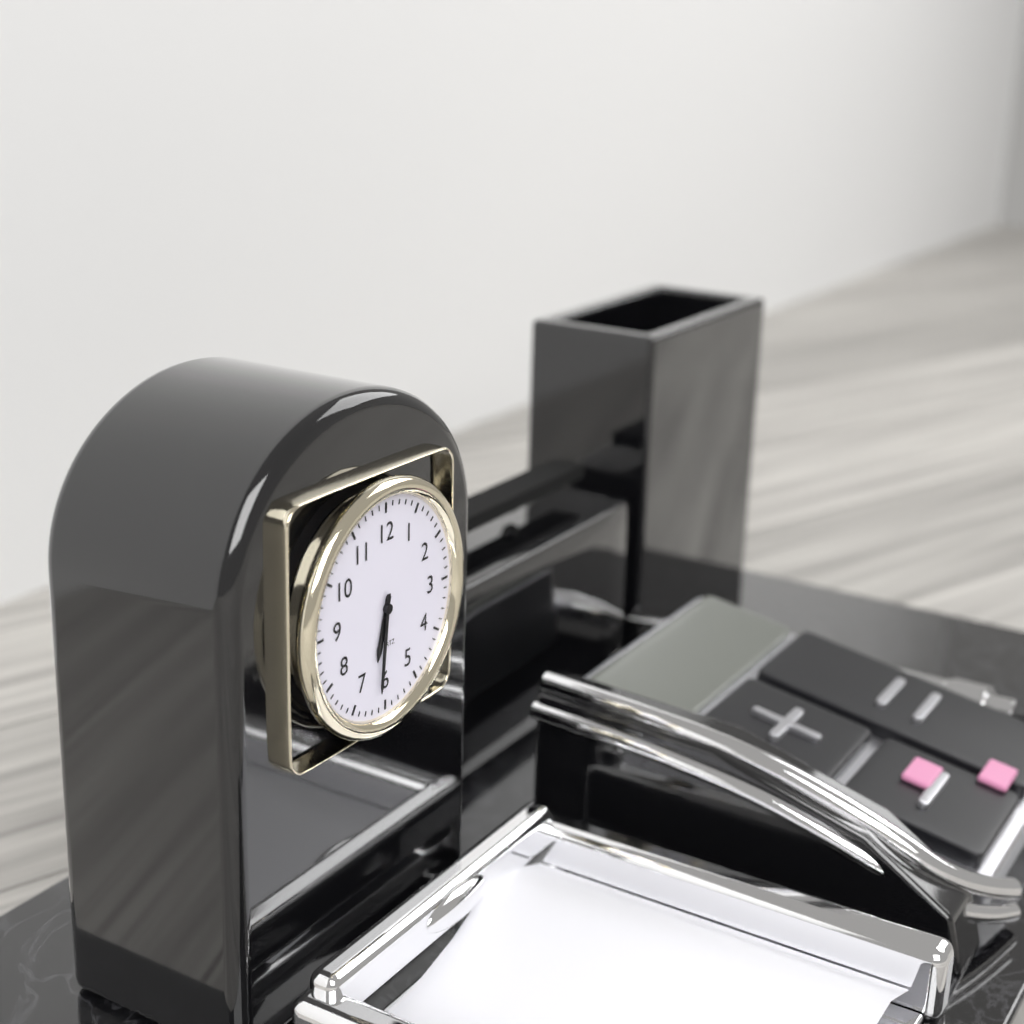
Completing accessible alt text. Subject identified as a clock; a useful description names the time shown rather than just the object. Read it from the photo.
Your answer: 6:31
